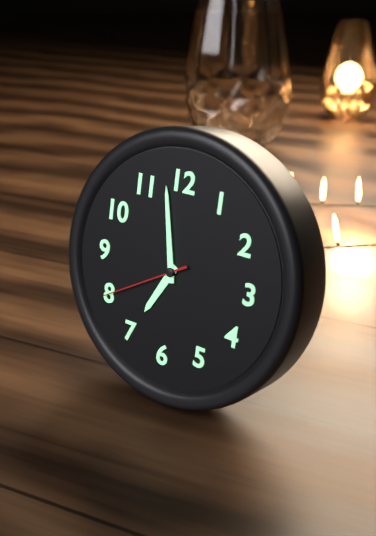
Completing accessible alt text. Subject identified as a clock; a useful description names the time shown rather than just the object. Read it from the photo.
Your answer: 6:58:40
